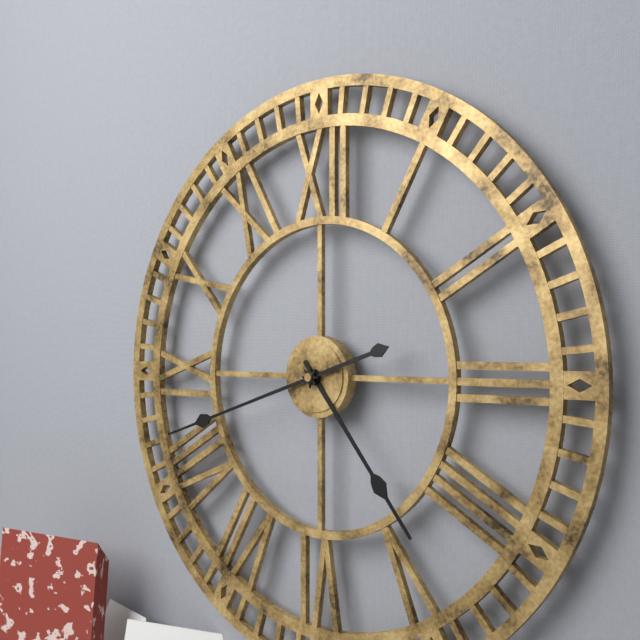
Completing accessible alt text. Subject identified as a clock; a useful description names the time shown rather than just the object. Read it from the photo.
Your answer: 4:42
